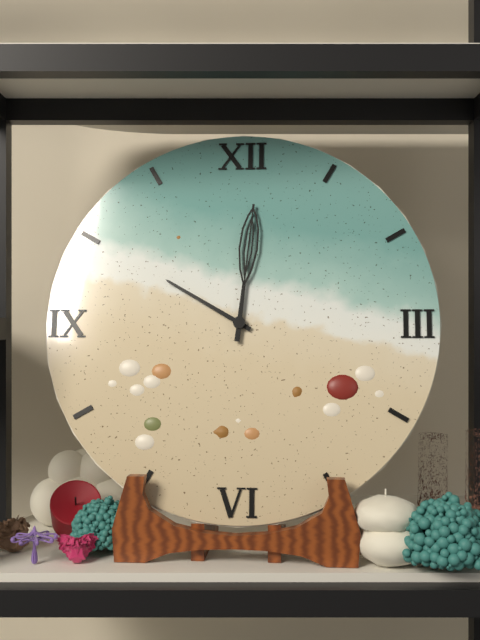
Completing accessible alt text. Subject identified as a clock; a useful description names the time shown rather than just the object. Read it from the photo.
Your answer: 10:01
